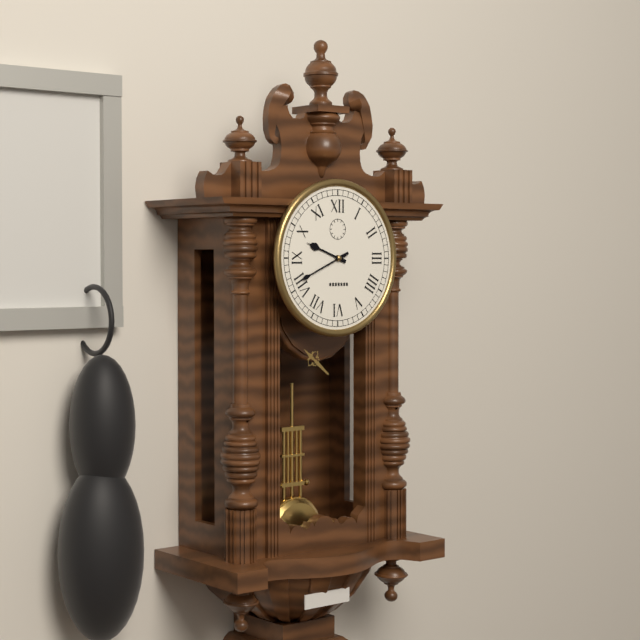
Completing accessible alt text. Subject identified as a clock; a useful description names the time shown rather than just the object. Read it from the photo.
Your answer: 9:41
